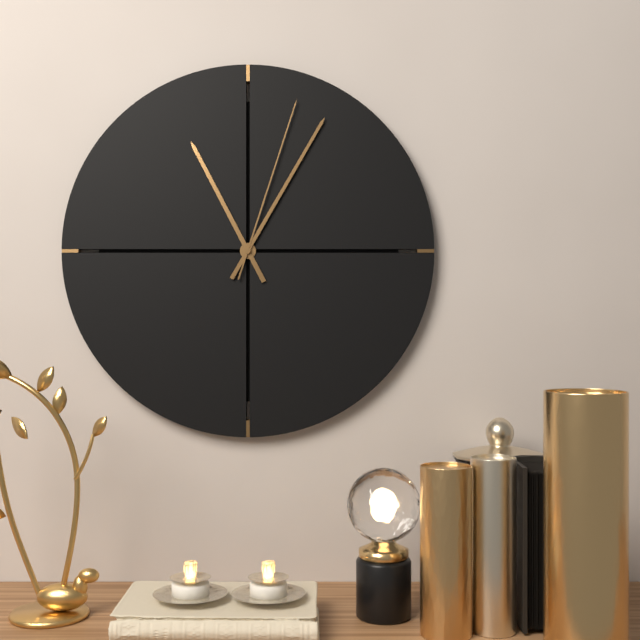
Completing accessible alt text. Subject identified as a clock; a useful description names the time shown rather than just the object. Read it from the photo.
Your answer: 11:05:03
